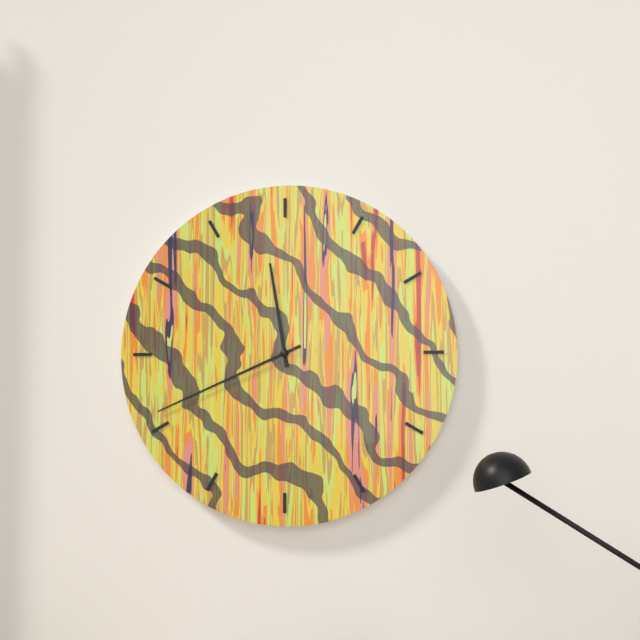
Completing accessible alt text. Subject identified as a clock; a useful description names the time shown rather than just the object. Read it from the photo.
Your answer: 11:41
